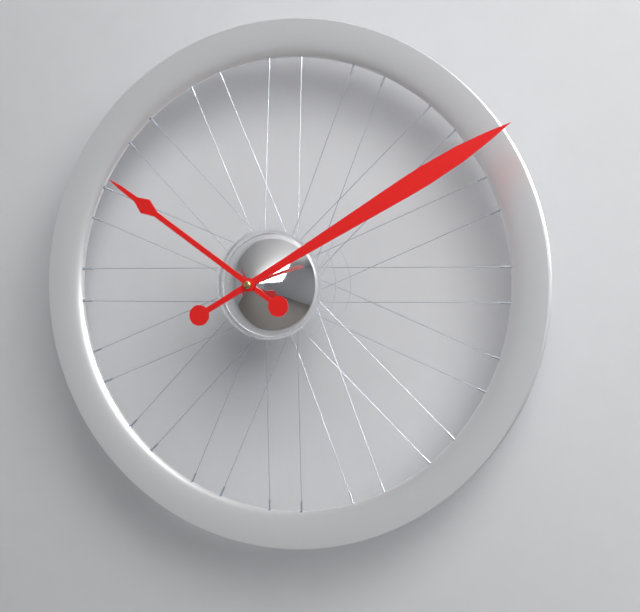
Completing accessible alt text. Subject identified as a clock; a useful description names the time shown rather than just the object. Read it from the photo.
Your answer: 10:10
